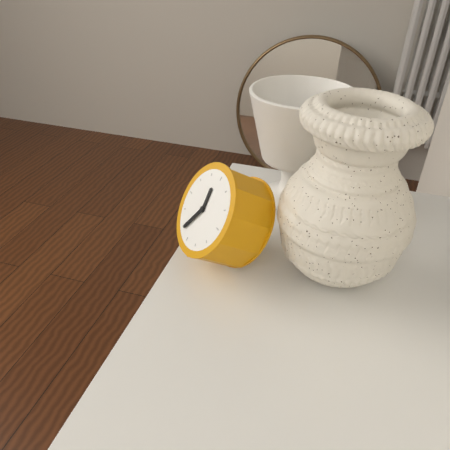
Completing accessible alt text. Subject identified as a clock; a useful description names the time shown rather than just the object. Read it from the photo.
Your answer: 11:34
